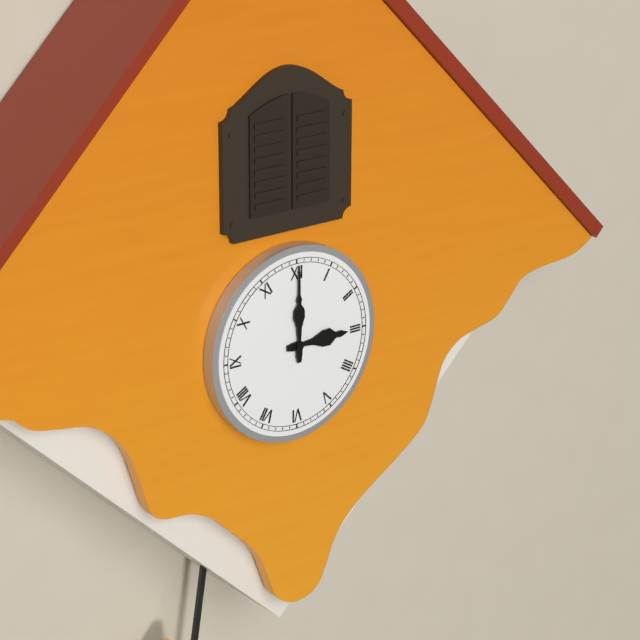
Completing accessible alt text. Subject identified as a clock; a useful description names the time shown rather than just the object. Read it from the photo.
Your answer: 3:00
